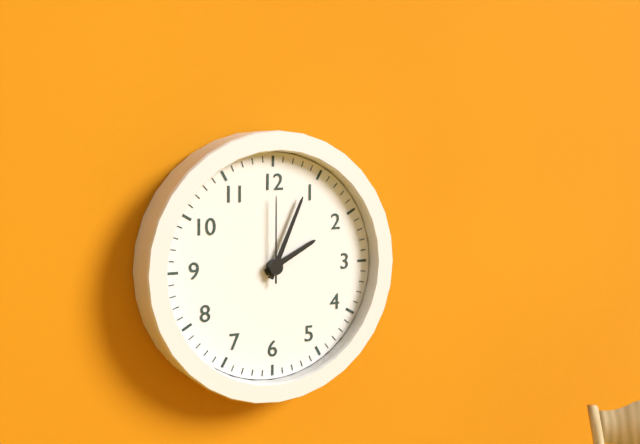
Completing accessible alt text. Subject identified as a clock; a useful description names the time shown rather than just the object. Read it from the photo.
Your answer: 2:04:00
